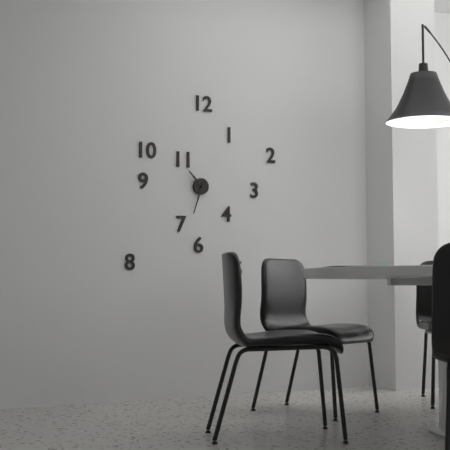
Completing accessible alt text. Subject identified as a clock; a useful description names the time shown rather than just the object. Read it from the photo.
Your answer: 10:33
